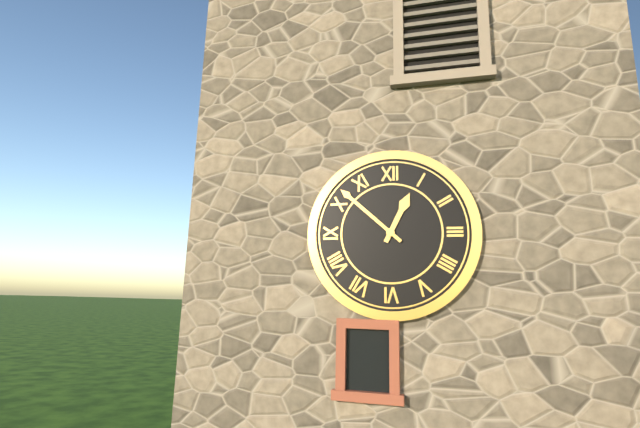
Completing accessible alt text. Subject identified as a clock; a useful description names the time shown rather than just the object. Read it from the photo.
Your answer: 12:52
